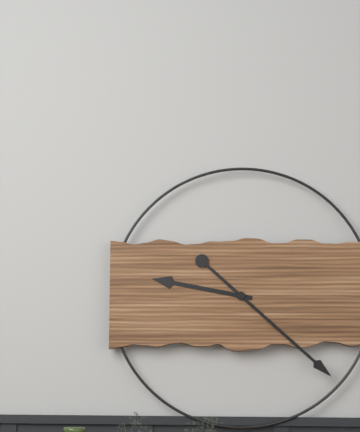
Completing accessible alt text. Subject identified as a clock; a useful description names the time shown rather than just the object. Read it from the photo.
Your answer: 9:22
